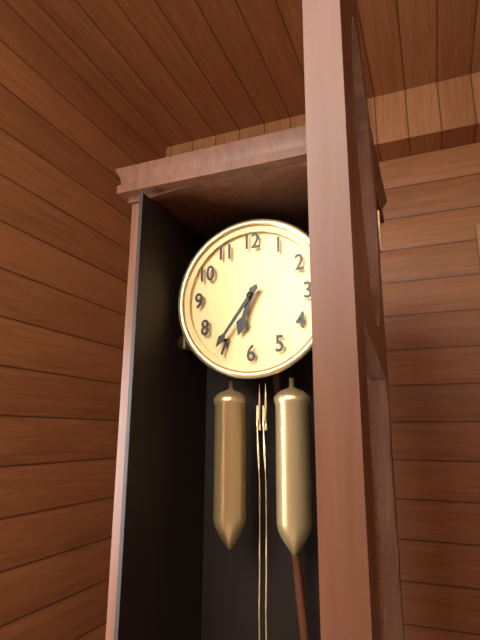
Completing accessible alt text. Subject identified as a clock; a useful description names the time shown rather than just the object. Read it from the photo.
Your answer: 6:36
